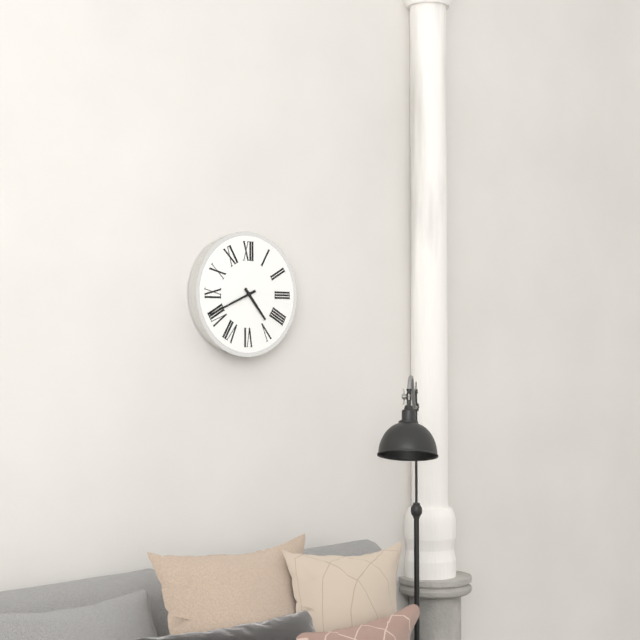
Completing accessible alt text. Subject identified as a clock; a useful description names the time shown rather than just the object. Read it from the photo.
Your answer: 4:41
